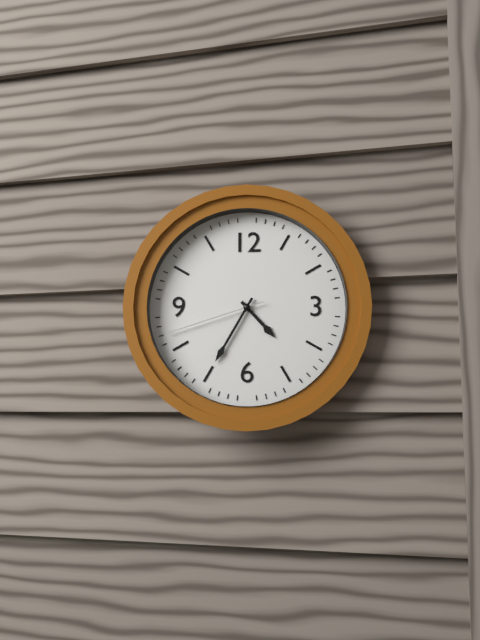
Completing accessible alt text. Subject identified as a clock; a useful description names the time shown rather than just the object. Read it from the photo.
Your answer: 4:35:42
